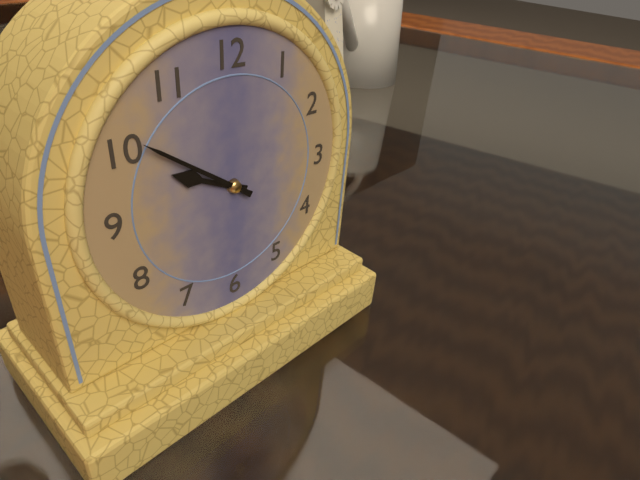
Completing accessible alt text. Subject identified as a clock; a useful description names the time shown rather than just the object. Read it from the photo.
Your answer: 9:51
